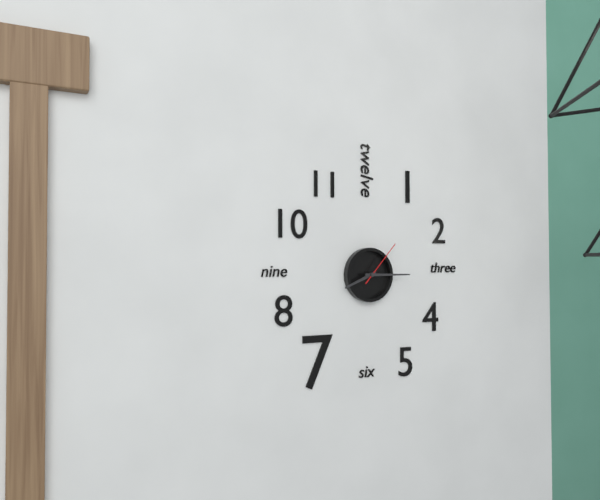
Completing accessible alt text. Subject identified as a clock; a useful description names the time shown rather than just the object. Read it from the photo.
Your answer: 8:15
